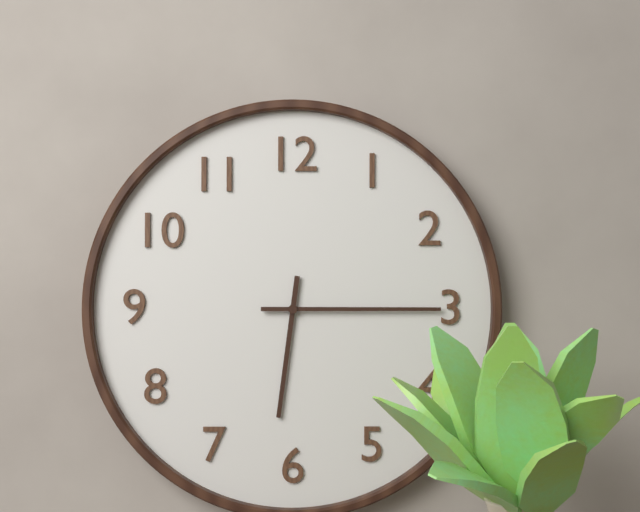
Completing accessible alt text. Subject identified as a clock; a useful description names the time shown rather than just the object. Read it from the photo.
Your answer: 6:15
